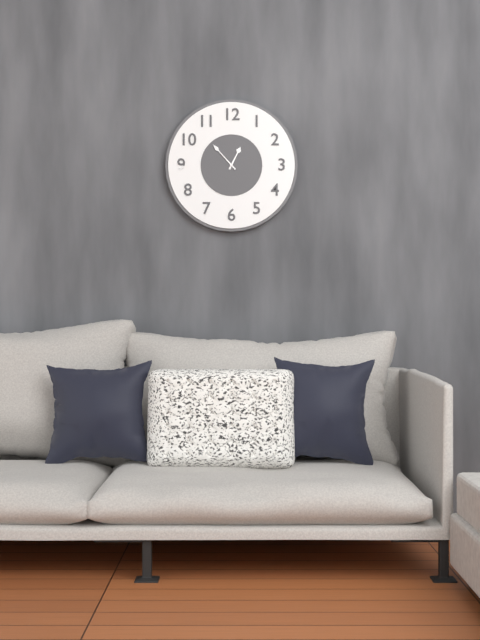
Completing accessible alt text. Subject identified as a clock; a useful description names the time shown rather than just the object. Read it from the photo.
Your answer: 12:53
